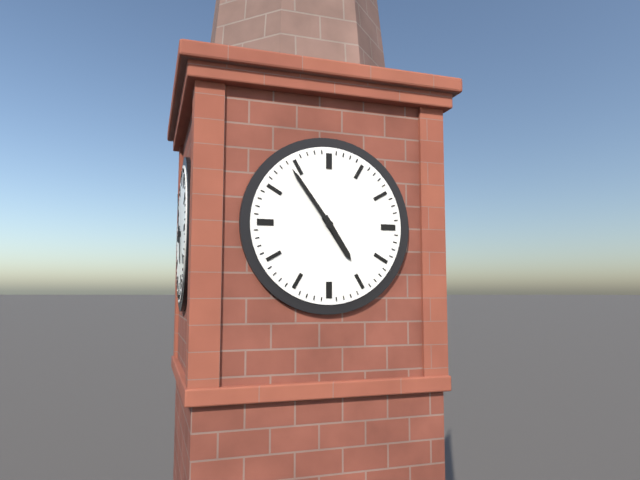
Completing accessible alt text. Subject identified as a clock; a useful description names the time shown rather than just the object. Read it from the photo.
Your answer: 4:54
